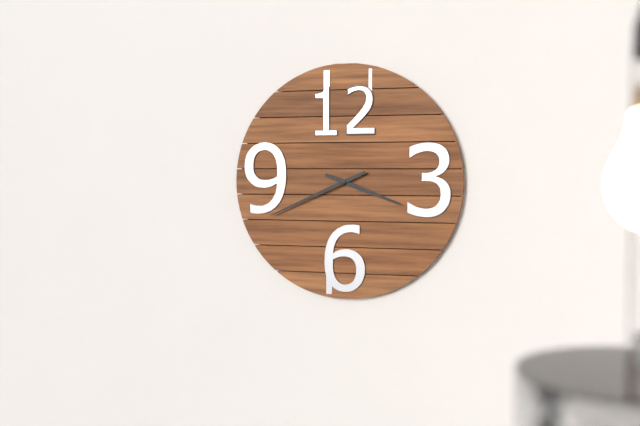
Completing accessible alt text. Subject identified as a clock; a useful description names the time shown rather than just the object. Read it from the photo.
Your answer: 3:41
